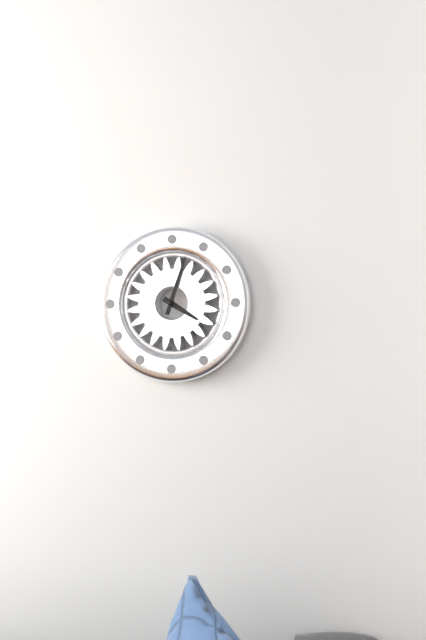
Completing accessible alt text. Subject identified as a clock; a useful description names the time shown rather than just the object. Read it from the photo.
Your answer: 4:03
